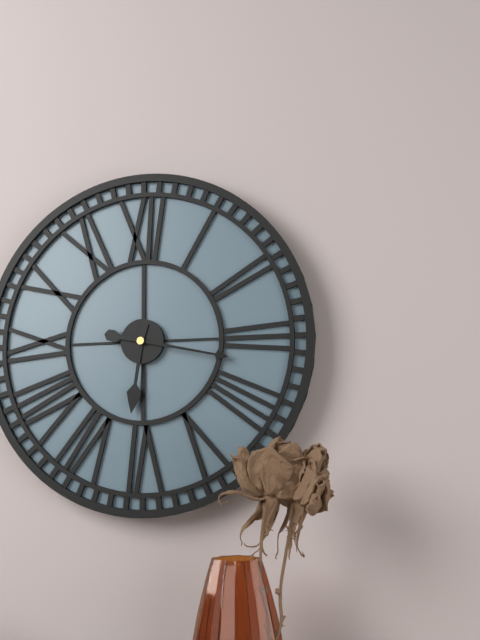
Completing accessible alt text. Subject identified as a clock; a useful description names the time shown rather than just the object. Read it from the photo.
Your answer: 6:17
